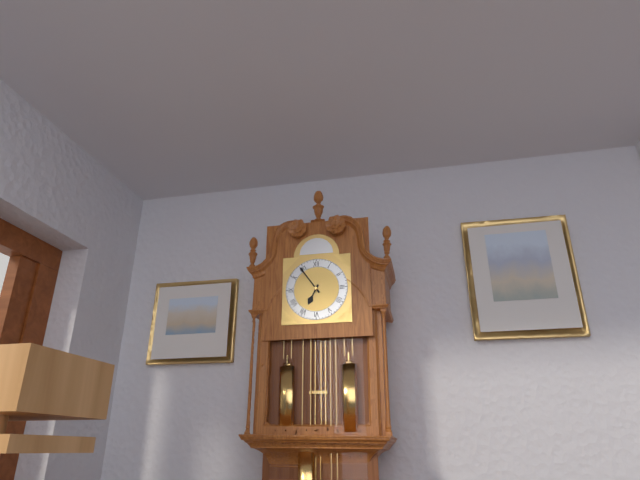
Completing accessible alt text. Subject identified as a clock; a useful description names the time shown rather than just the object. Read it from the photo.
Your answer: 6:54
